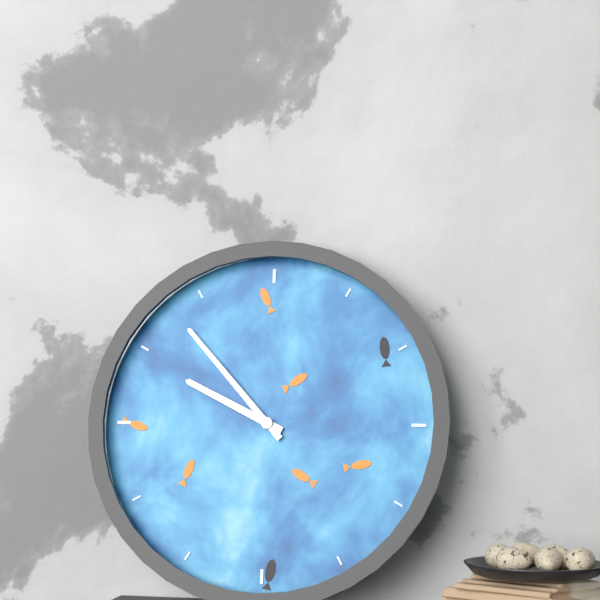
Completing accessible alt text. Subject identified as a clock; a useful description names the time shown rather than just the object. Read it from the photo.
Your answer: 9:53
